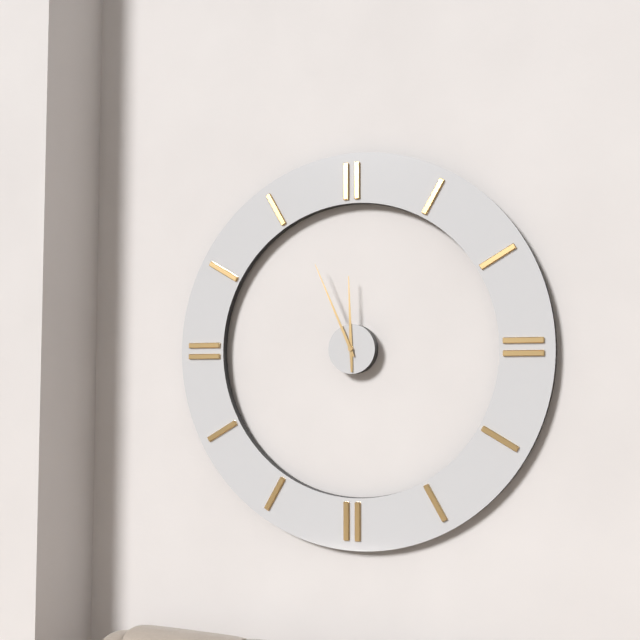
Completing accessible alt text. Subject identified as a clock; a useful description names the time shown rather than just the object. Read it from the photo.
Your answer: 11:56
